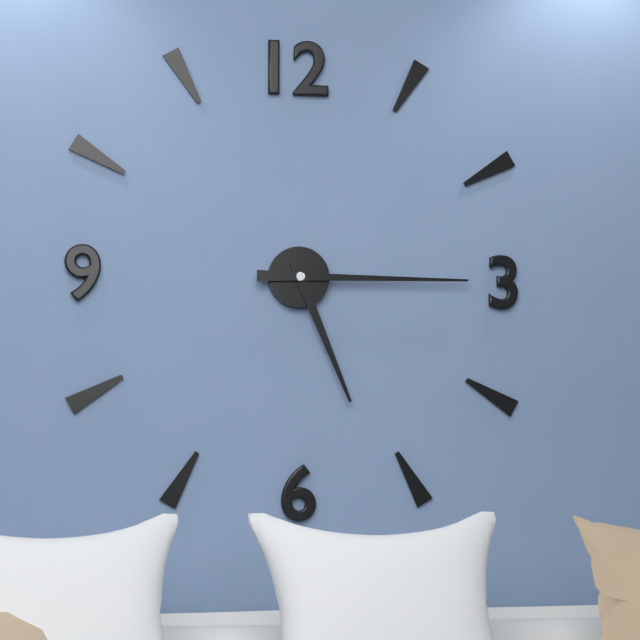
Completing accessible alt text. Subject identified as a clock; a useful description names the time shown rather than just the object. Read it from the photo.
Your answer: 5:15
